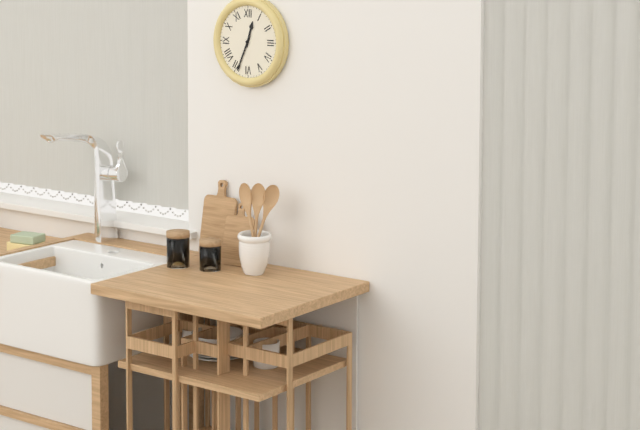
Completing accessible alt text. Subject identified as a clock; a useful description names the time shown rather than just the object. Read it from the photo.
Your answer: 12:34
